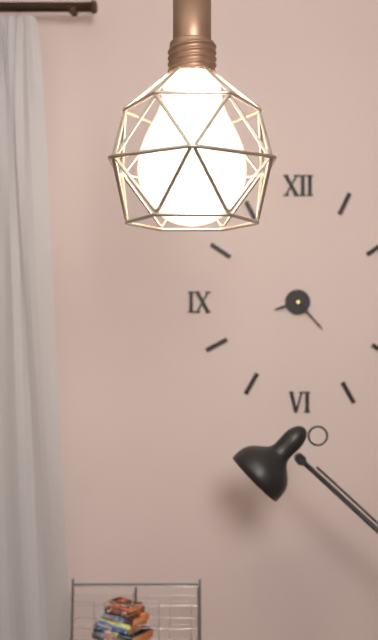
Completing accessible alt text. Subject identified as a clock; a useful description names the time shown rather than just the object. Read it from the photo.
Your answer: 8:23
